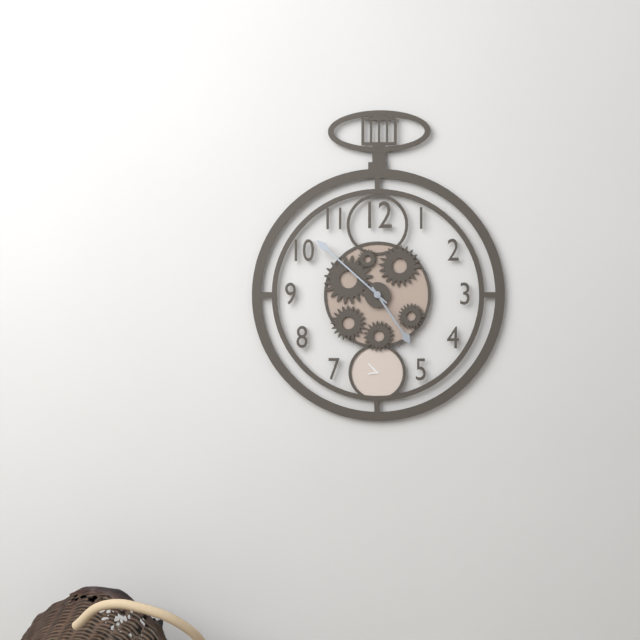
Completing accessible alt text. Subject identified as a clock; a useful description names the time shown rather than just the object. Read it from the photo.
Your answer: 4:52
